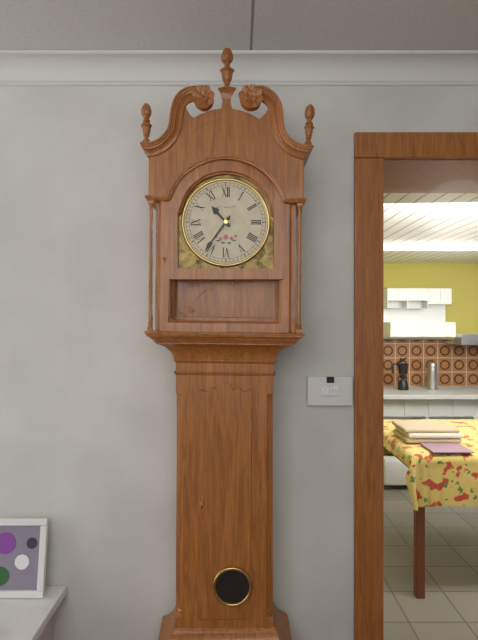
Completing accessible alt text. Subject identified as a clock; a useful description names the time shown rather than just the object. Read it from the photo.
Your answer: 10:36
